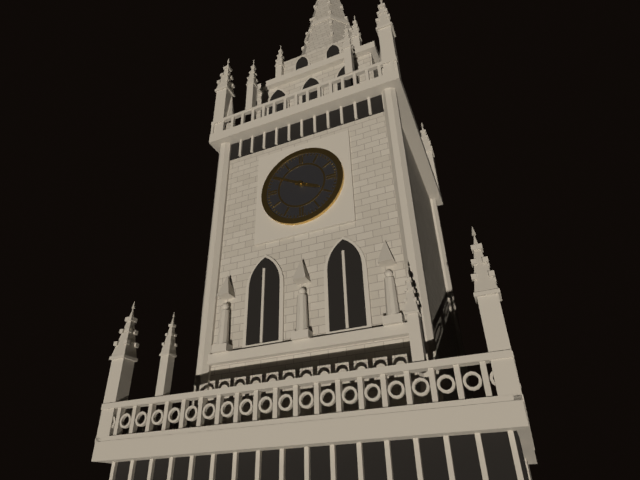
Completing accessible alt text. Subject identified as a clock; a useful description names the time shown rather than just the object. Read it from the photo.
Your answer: 3:50
